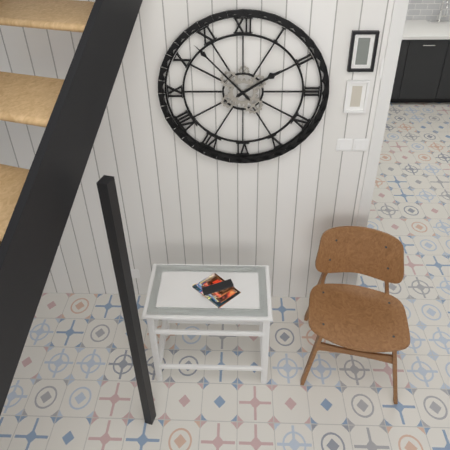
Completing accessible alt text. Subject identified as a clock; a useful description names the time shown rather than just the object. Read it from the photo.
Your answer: 1:53
